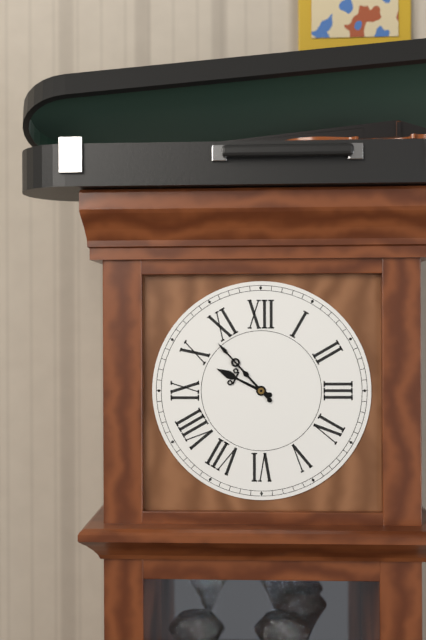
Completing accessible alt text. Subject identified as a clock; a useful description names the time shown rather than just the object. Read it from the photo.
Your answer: 9:53
